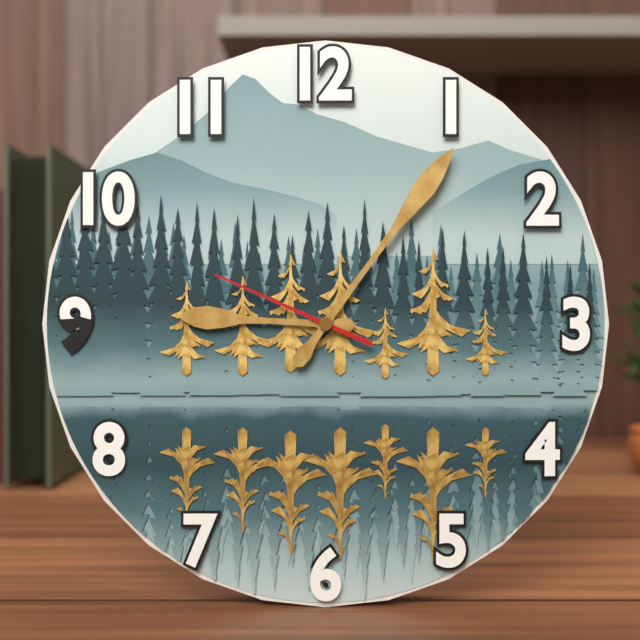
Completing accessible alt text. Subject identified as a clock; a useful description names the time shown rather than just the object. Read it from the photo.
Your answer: 9:06:49
